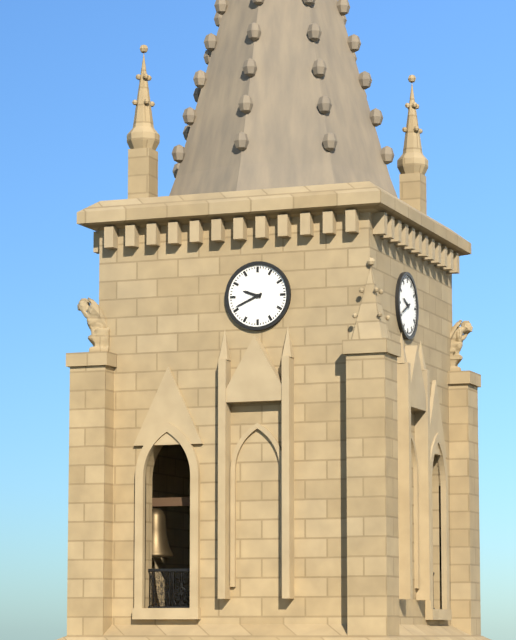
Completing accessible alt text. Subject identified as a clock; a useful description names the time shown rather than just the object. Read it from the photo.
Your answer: 9:41
